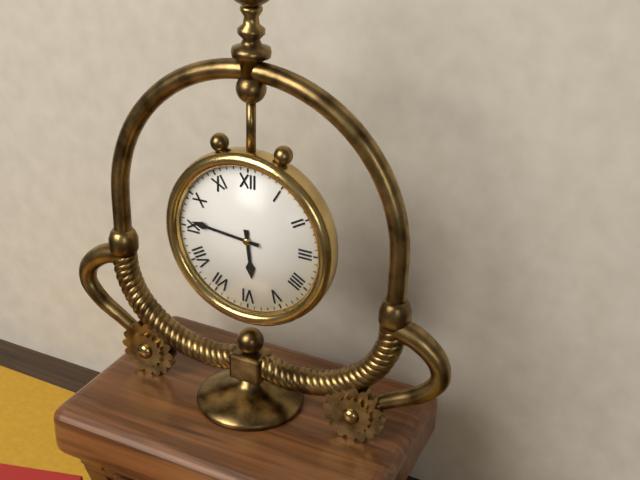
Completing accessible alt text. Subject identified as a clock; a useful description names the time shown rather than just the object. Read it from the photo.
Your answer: 5:46
